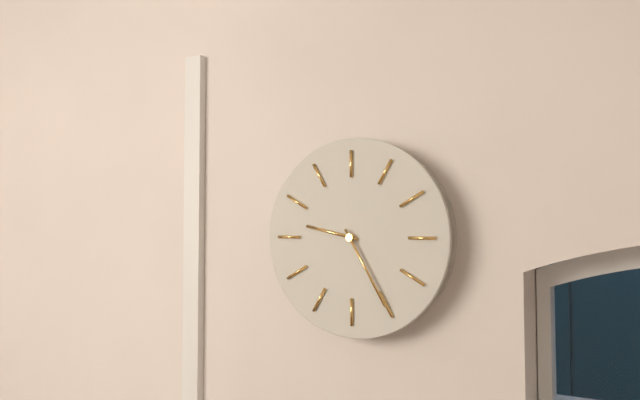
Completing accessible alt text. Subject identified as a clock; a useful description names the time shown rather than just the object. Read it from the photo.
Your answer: 9:25
